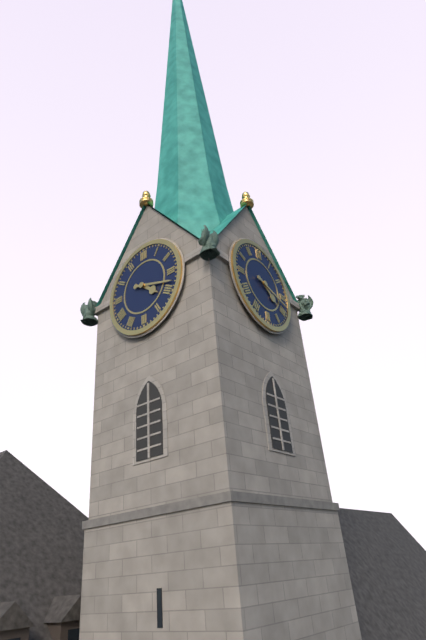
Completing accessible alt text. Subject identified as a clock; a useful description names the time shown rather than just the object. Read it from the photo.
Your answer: 4:18
